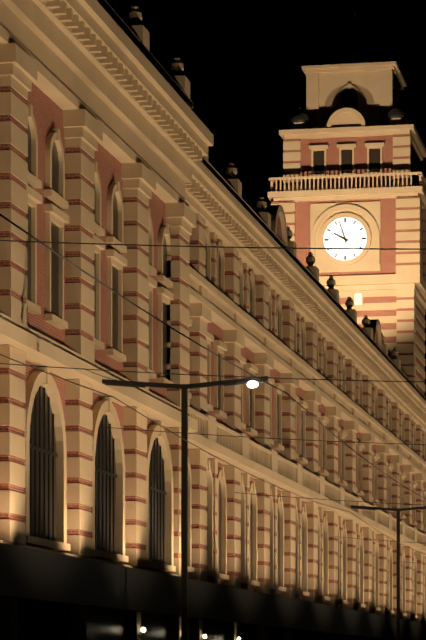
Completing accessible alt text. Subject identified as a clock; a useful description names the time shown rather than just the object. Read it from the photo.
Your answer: 9:57
